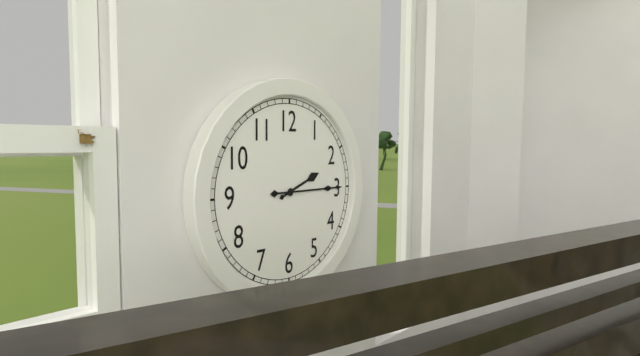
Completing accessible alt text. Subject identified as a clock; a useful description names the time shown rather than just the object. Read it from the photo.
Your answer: 2:15
